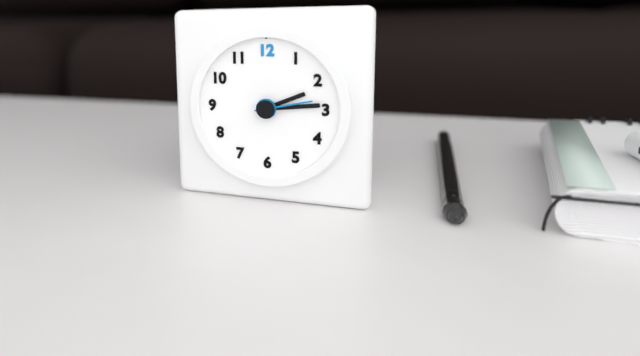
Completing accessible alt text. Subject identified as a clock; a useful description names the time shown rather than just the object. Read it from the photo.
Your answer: 2:14:13
